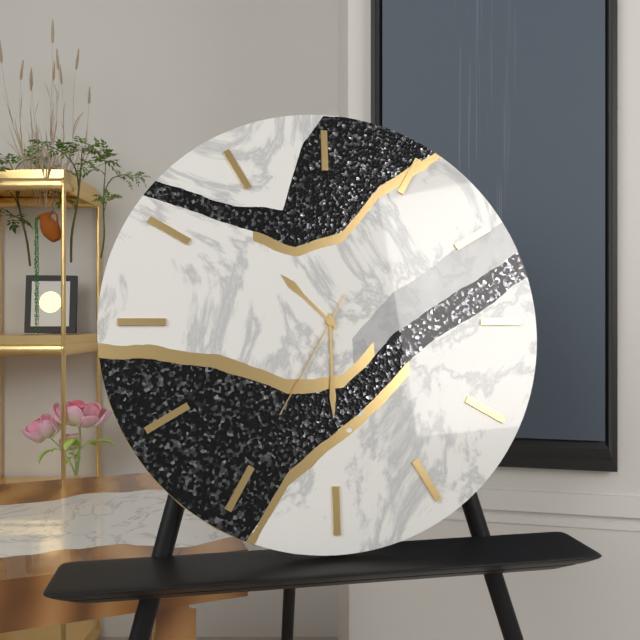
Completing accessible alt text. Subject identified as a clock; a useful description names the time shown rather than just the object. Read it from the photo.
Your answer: 10:30:35
